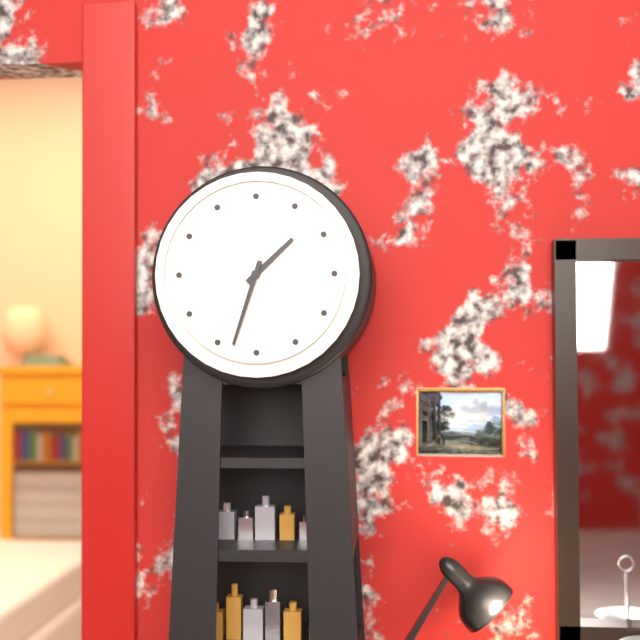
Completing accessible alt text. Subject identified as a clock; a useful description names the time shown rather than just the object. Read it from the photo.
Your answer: 1:33
